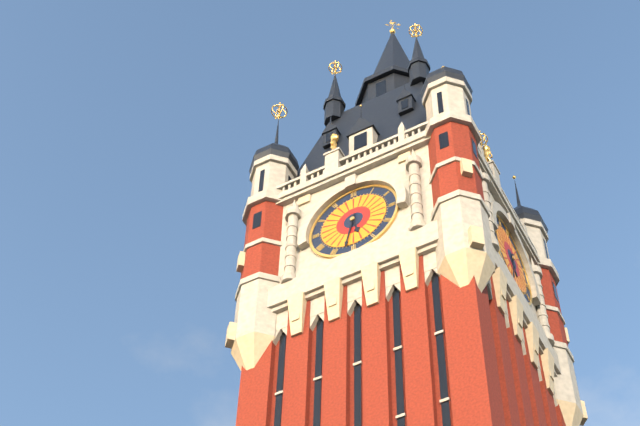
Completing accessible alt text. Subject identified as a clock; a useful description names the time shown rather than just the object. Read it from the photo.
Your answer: 5:32
